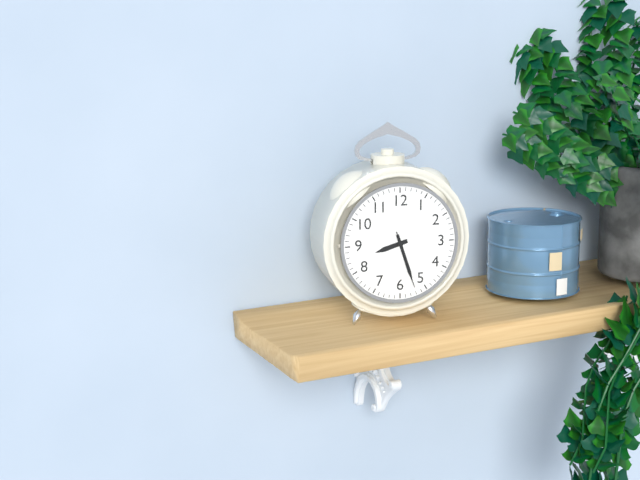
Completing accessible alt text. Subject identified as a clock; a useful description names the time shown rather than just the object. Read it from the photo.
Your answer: 8:27:27
